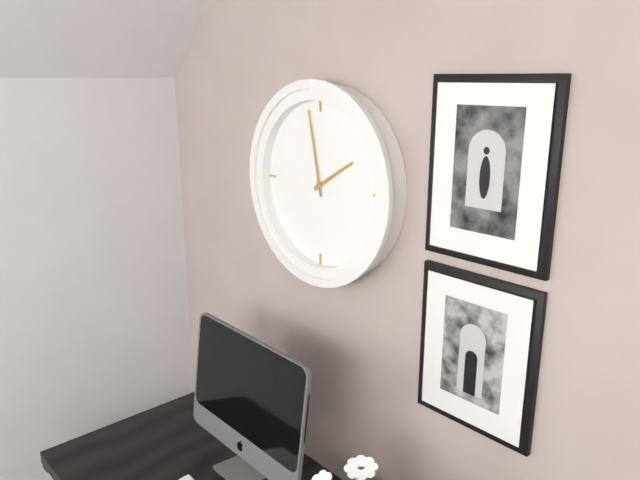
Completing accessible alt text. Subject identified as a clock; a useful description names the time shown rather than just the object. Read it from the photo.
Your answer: 1:58
